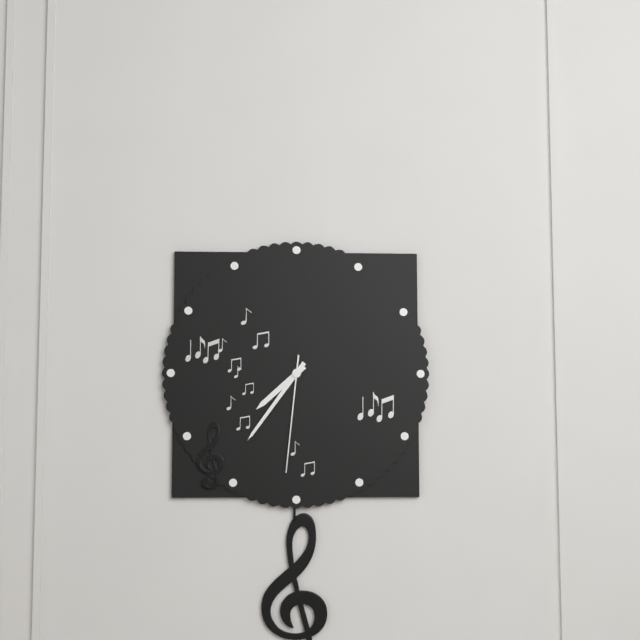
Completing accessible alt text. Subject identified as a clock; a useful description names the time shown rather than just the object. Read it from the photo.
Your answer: 7:36:31
